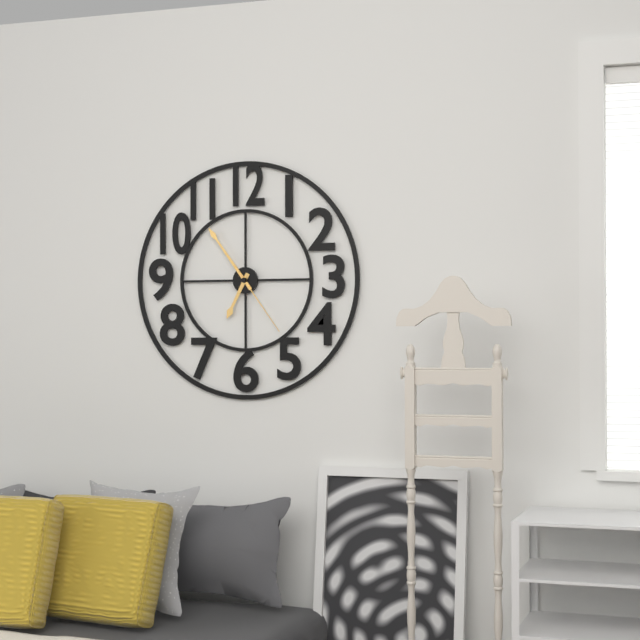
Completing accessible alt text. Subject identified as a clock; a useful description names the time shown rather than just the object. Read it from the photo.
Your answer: 6:54:24
